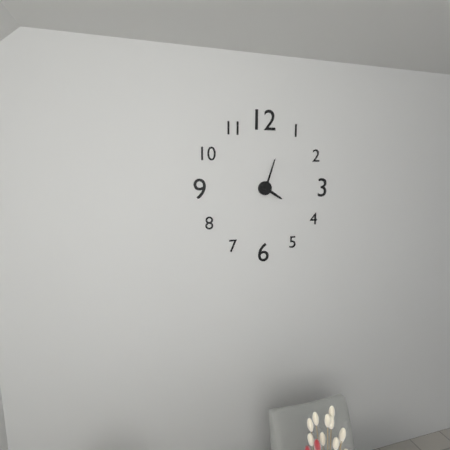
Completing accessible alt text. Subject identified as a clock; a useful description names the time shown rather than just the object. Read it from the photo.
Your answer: 4:03
